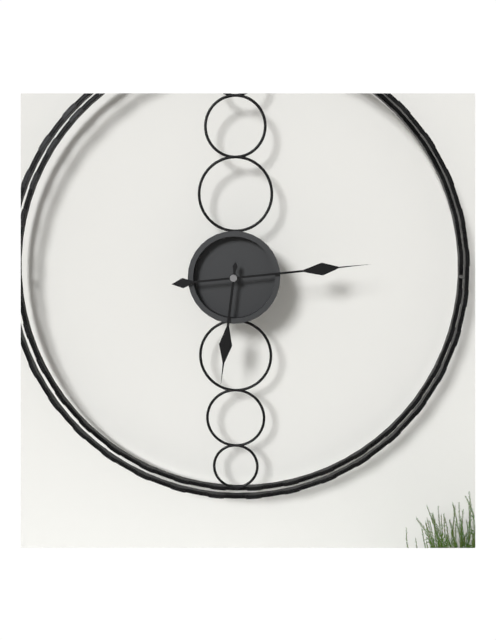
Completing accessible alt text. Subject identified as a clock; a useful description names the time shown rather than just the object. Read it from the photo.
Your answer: 6:14
